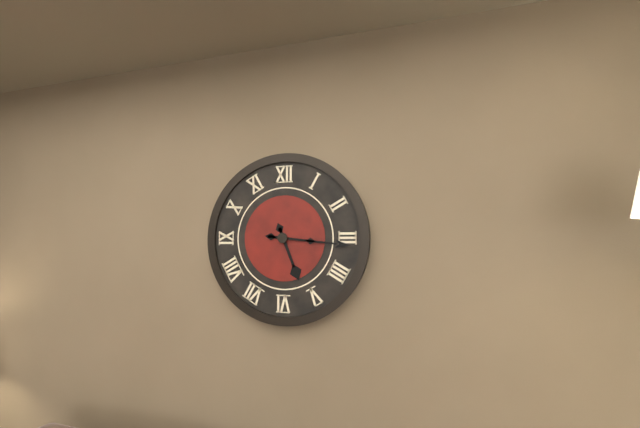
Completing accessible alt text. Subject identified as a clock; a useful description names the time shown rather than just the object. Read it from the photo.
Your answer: 5:16
